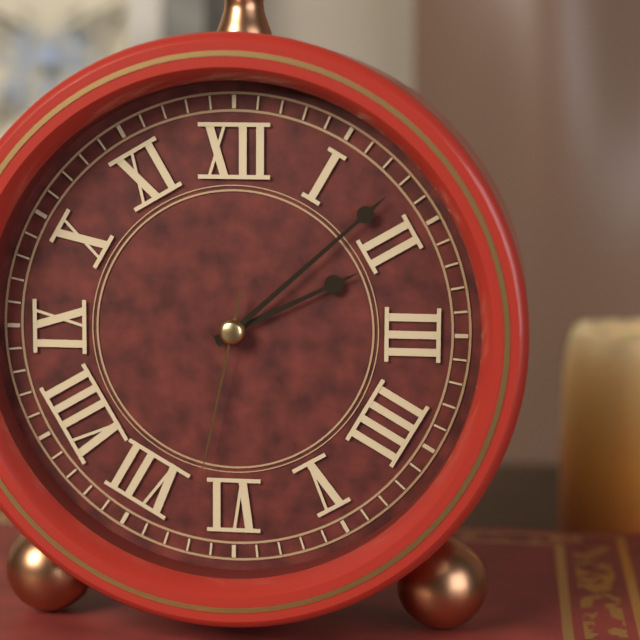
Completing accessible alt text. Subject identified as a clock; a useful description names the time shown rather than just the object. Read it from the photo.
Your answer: 2:08:32
